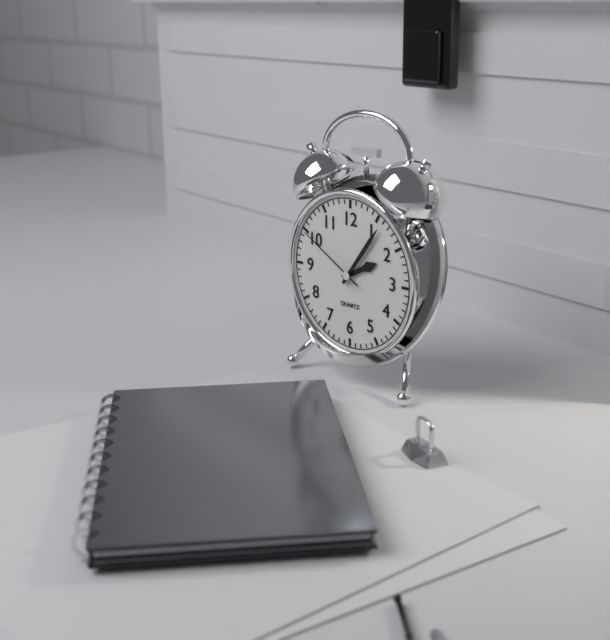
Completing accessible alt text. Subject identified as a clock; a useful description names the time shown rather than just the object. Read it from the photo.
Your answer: 2:06:50
